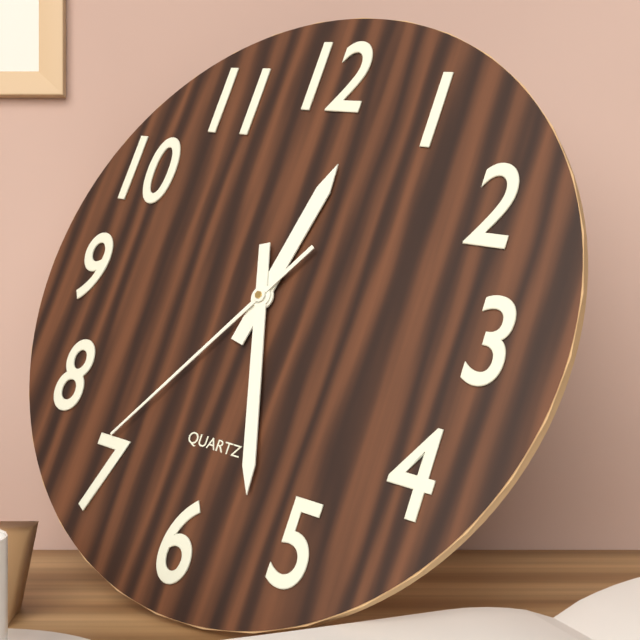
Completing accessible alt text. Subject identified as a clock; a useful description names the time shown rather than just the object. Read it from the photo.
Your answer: 12:27:36
